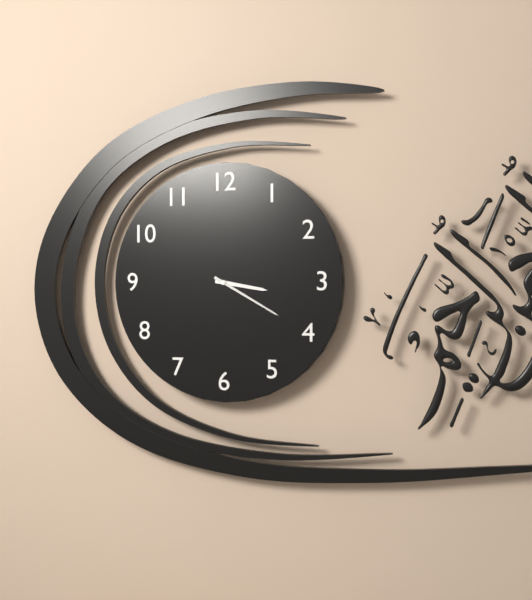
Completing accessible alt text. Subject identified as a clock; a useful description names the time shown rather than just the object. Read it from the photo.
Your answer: 3:20
